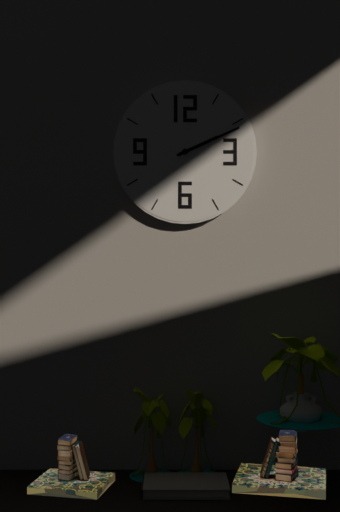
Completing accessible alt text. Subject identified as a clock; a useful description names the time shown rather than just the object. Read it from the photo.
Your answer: 2:11
